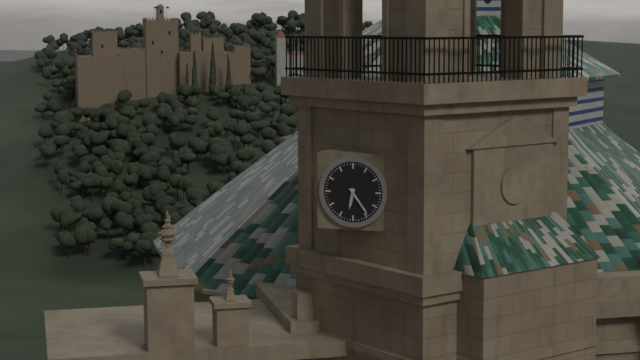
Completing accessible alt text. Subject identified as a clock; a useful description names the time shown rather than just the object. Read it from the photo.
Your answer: 6:24
